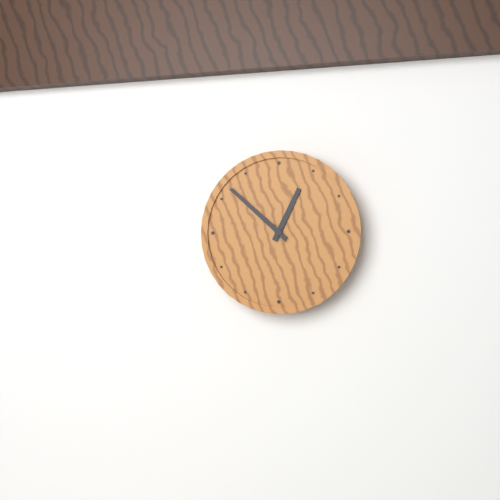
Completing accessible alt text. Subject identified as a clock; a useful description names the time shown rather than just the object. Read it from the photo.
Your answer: 12:52
